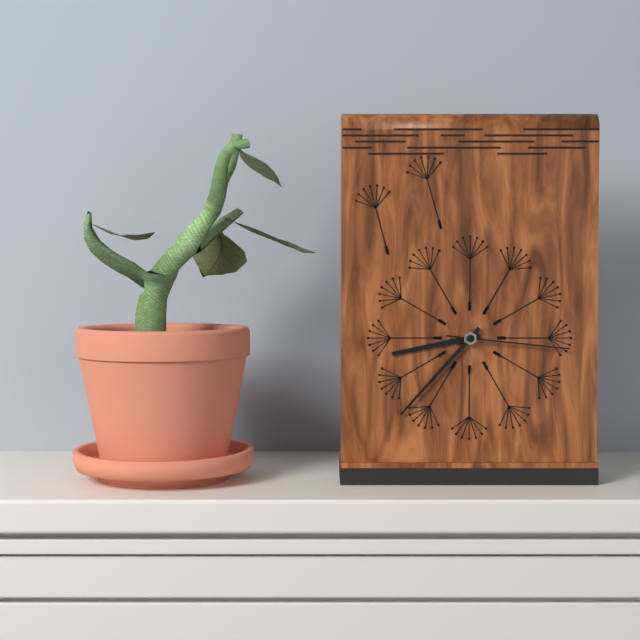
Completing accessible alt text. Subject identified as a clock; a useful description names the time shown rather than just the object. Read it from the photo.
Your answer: 8:37:16
